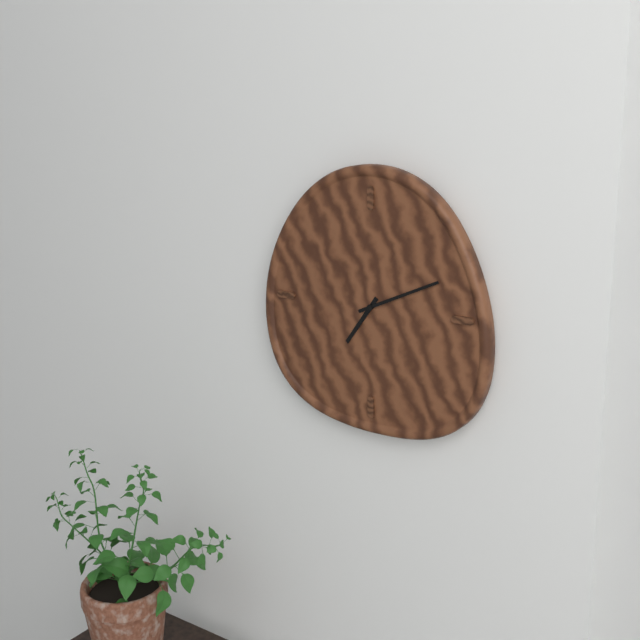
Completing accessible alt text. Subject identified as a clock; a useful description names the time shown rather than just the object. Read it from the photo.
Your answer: 7:11
